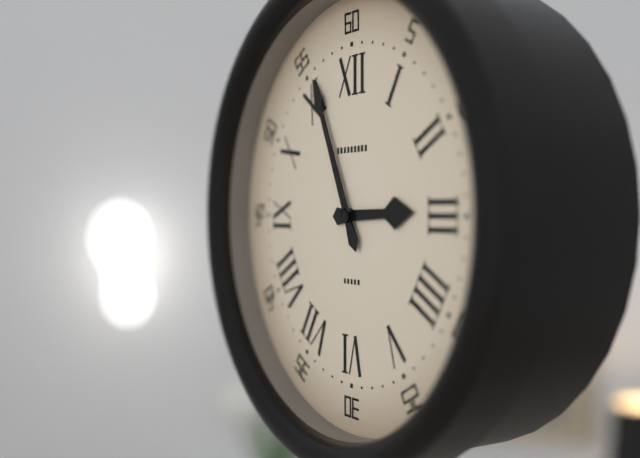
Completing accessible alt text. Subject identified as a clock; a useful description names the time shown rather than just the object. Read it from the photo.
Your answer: 2:56
